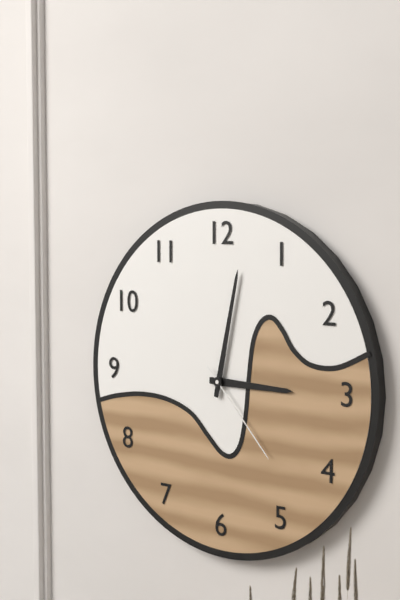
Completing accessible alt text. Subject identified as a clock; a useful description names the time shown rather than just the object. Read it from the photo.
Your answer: 3:02:23
